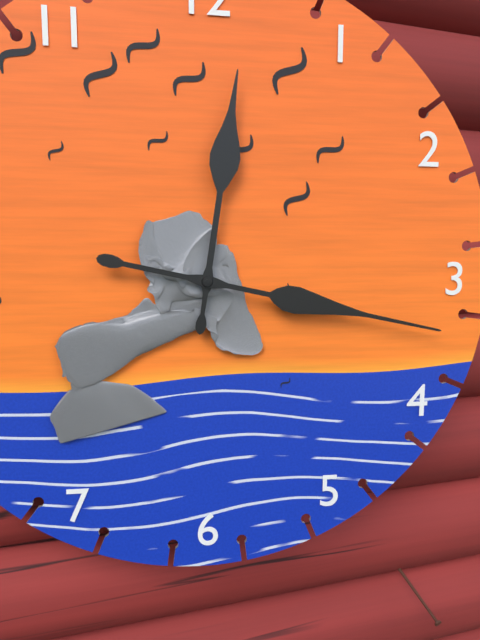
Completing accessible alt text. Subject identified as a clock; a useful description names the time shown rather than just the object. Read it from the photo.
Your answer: 12:17
